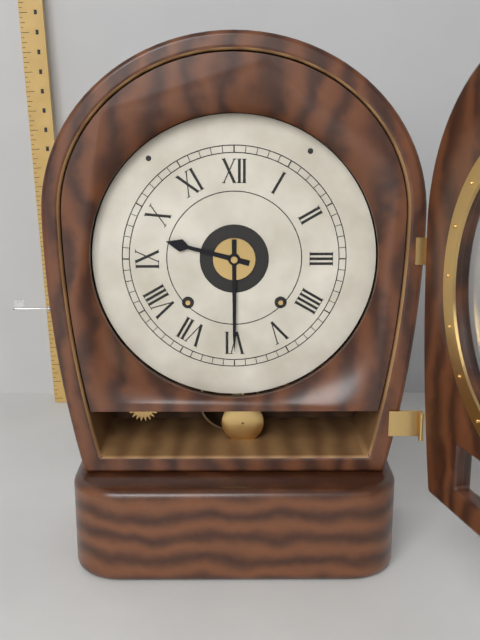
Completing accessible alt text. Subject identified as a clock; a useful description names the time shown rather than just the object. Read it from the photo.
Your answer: 9:30
